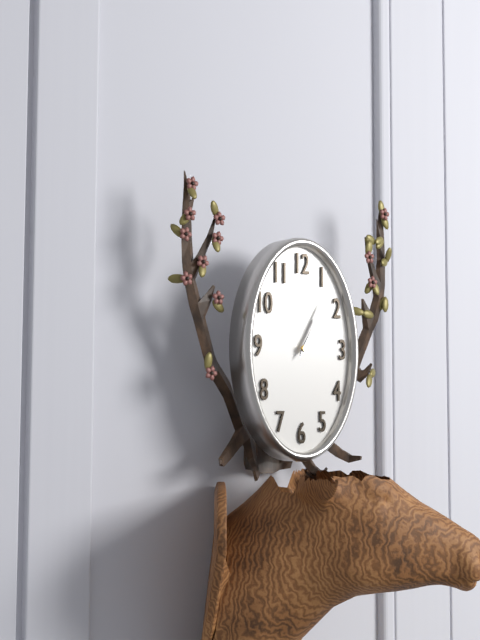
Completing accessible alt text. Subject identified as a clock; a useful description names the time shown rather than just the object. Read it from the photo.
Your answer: 1:05
